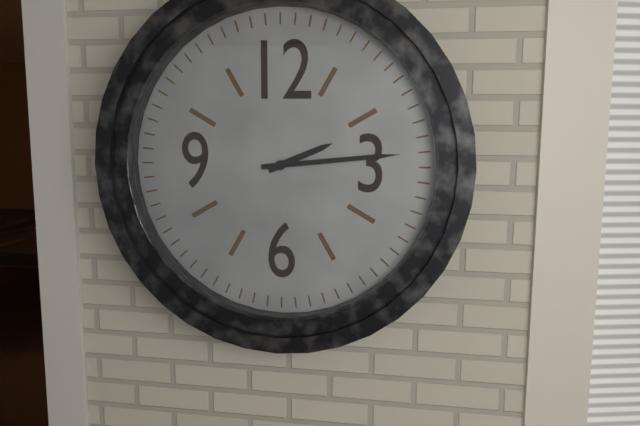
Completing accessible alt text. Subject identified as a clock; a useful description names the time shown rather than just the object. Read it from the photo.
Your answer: 2:14
